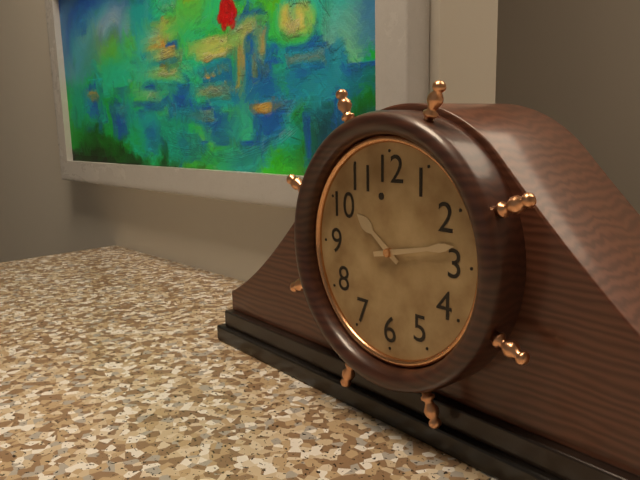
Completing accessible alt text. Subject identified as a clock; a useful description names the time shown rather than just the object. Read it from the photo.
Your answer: 10:13
